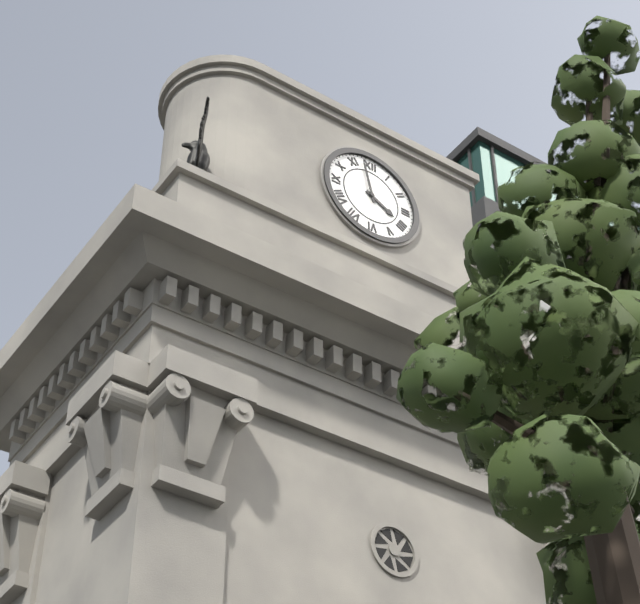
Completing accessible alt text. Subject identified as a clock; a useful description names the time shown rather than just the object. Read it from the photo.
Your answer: 3:58
